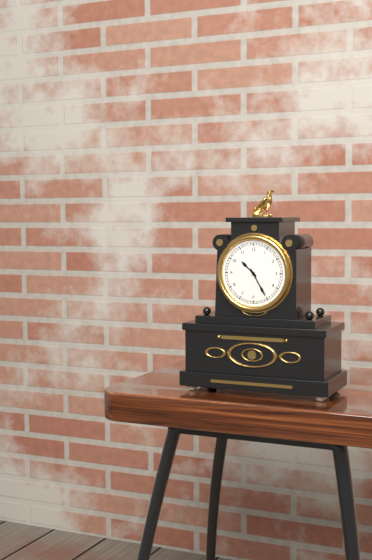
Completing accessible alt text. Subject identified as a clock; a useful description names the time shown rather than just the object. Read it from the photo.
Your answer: 10:25
